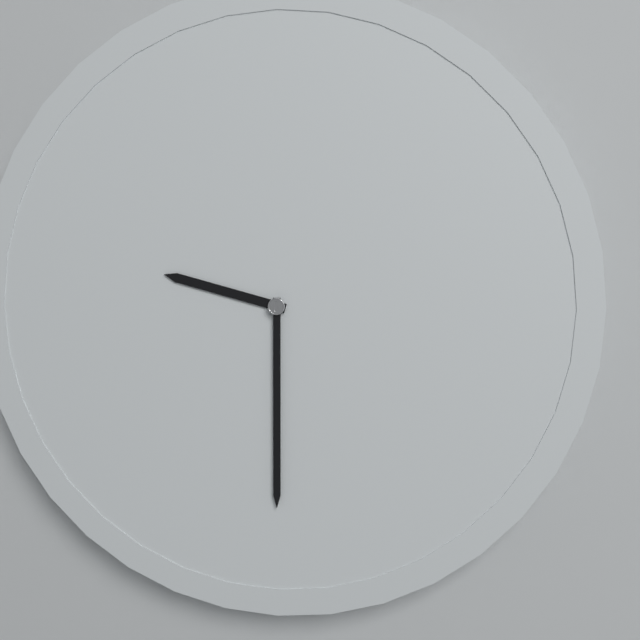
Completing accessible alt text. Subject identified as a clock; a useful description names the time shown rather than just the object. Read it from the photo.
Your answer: 9:30
